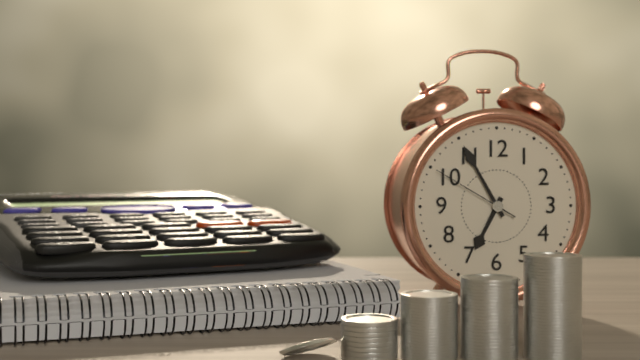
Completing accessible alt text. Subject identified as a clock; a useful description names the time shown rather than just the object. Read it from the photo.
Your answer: 6:55:50
